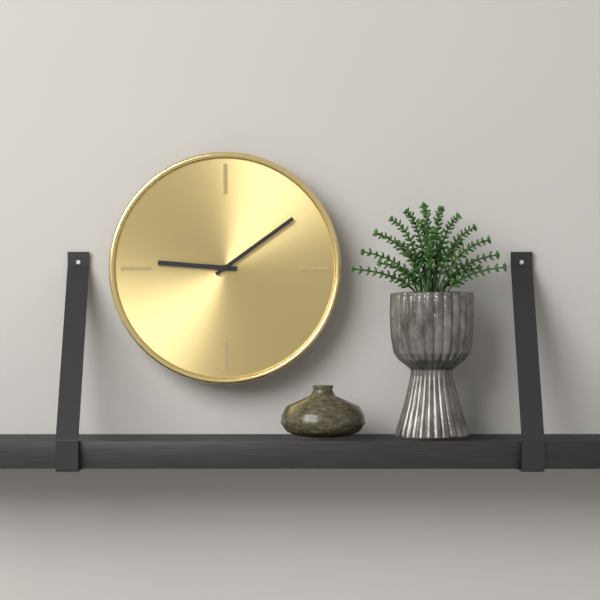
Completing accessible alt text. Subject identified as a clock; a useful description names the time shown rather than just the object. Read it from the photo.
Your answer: 9:09
